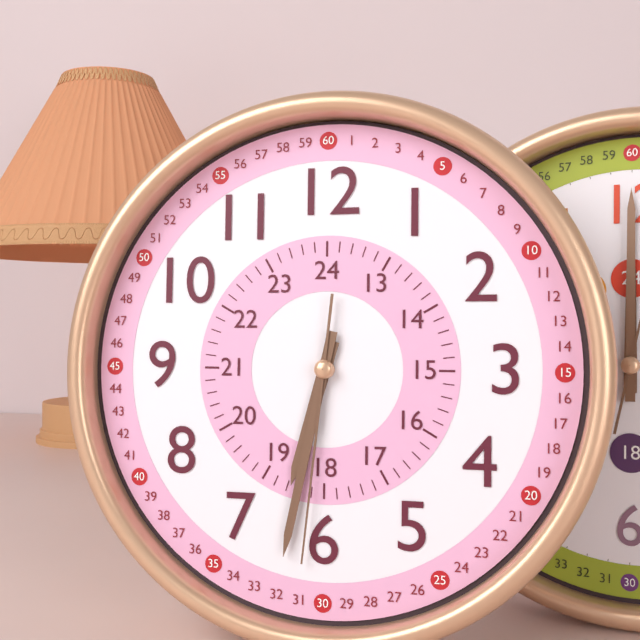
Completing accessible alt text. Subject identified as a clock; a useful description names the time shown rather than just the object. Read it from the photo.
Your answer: 6:32:31
